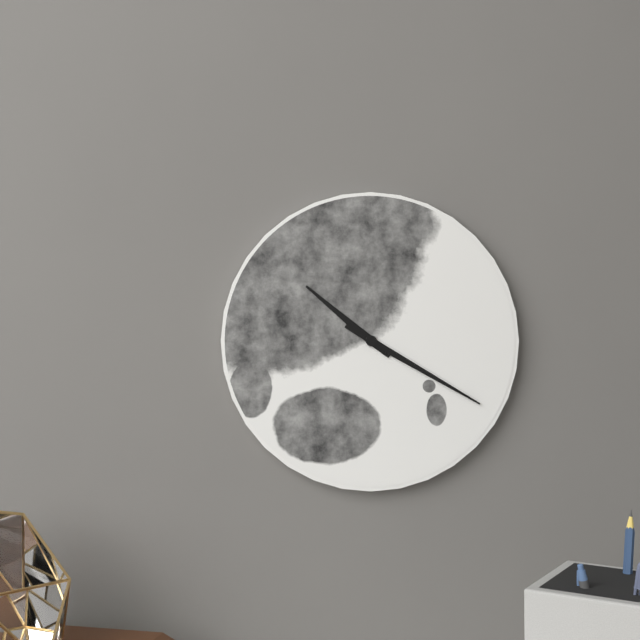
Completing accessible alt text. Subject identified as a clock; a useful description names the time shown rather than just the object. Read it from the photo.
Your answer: 10:20
